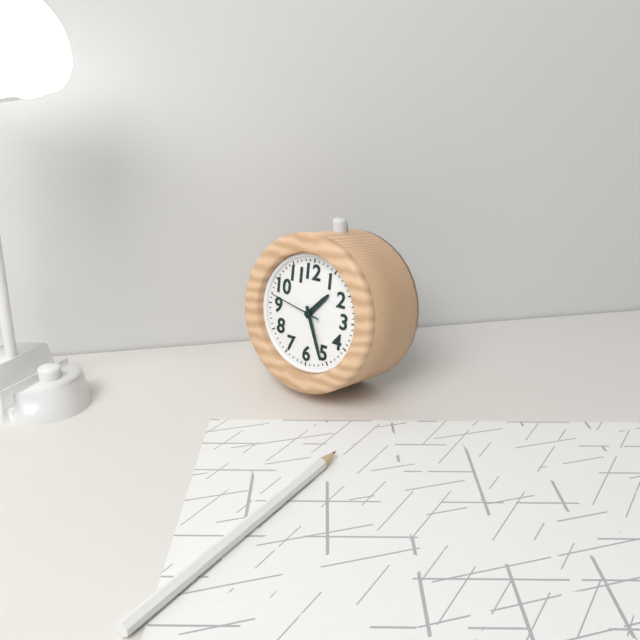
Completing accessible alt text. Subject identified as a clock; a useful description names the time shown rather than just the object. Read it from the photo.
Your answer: 1:26:47
